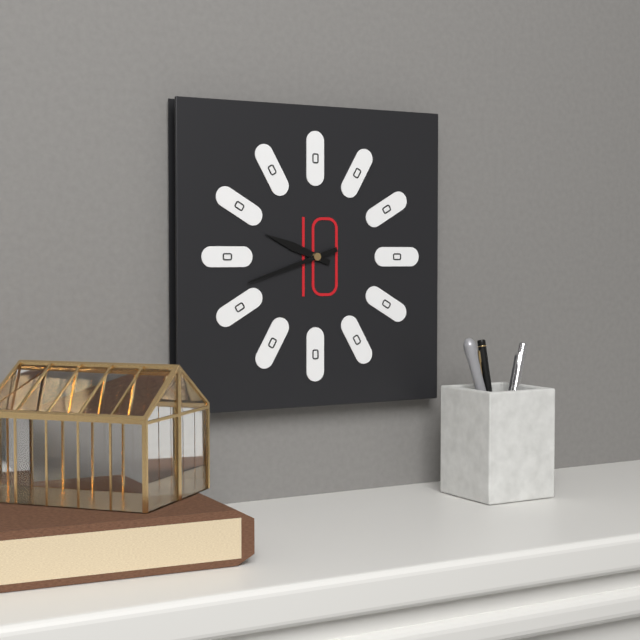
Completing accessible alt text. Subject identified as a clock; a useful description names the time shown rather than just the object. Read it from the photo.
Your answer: 9:42
